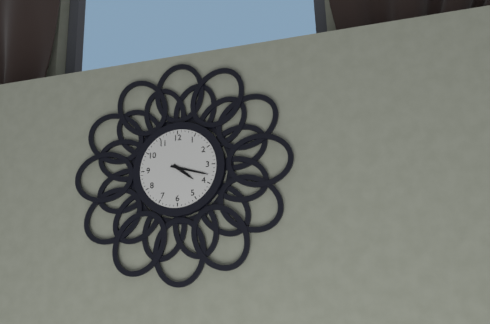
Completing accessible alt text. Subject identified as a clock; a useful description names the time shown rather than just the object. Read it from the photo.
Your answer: 4:18
